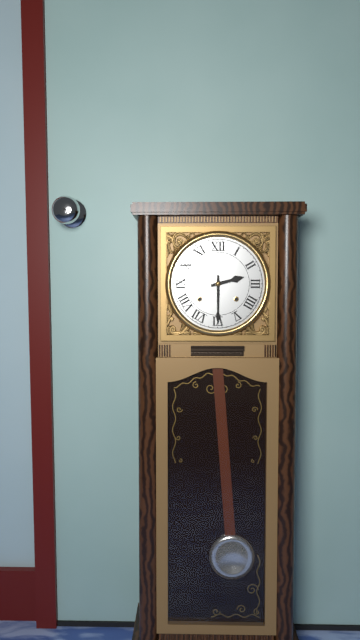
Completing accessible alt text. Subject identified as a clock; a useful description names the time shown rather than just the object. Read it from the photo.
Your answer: 2:30
